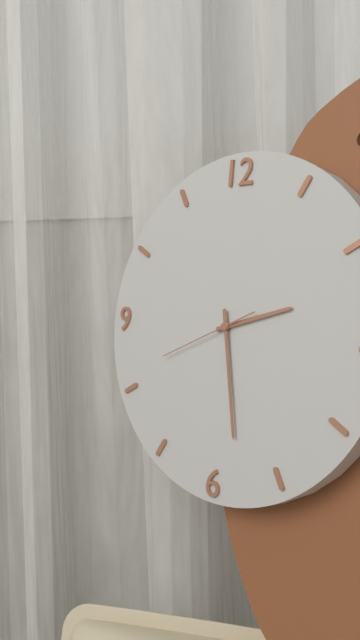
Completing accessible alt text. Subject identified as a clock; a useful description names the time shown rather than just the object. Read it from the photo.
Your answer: 2:28:41
